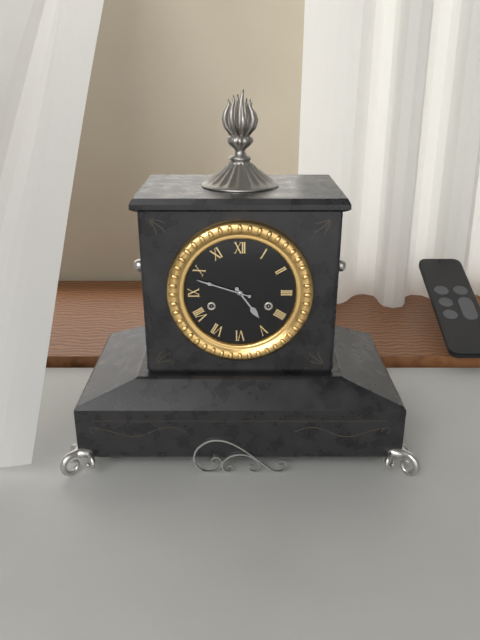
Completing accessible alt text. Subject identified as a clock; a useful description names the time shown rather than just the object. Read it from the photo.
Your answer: 4:48
